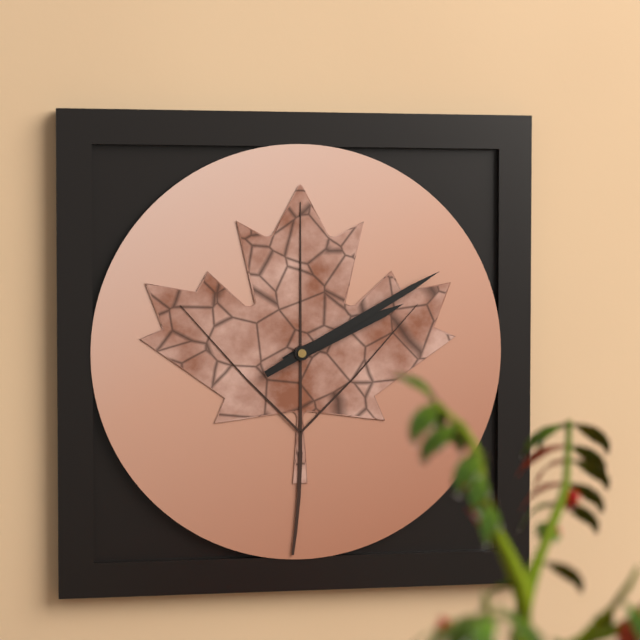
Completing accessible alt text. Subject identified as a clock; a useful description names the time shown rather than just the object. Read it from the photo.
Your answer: 2:10
